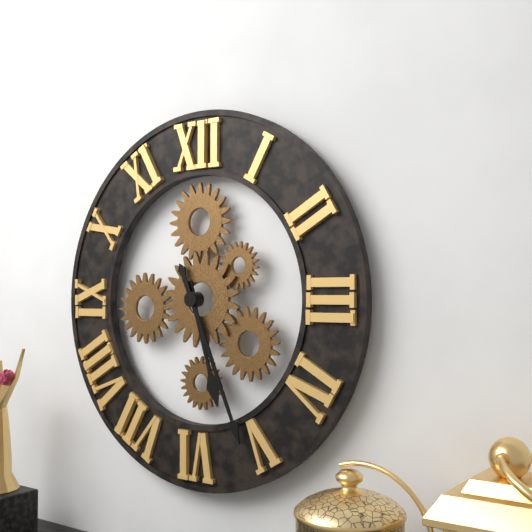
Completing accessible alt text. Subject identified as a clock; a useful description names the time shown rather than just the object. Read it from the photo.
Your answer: 5:26
